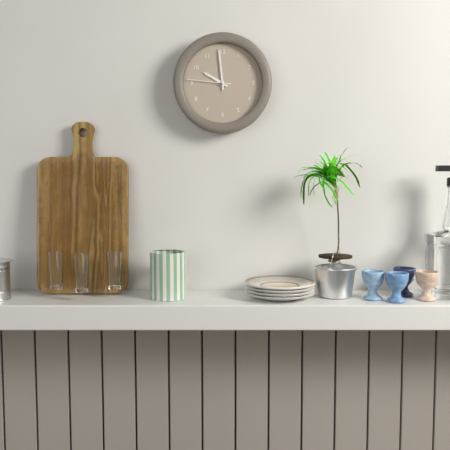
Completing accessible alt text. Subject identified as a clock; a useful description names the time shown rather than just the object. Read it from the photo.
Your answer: 9:59
